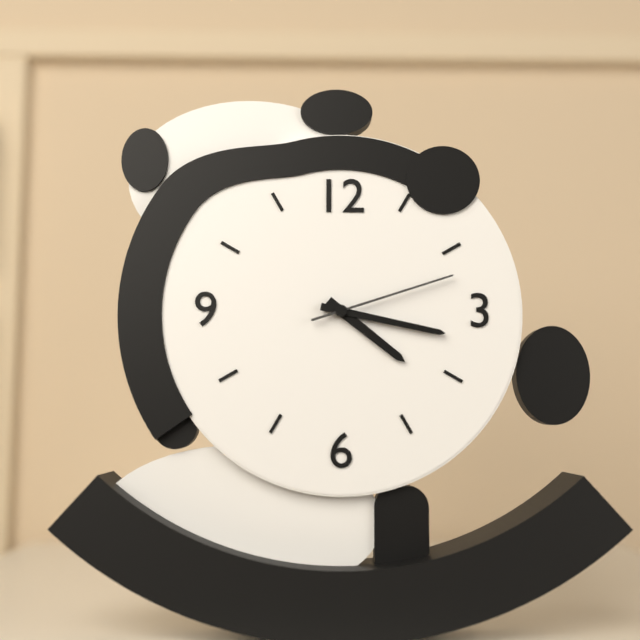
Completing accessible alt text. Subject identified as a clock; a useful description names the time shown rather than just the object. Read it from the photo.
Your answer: 4:17:12
